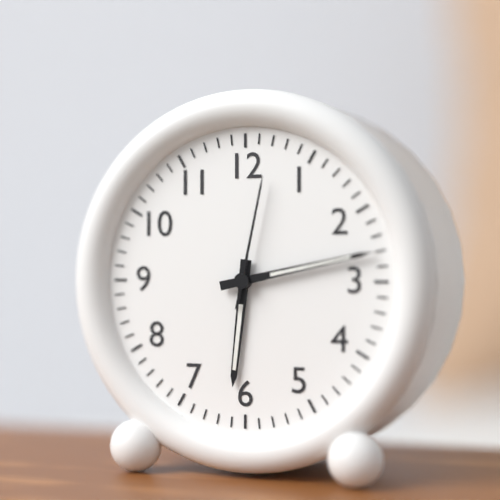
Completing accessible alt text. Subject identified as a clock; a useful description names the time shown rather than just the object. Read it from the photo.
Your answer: 6:13:02
